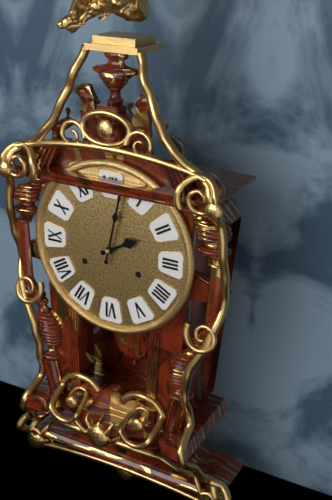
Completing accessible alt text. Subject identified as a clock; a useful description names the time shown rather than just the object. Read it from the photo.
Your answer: 2:02
